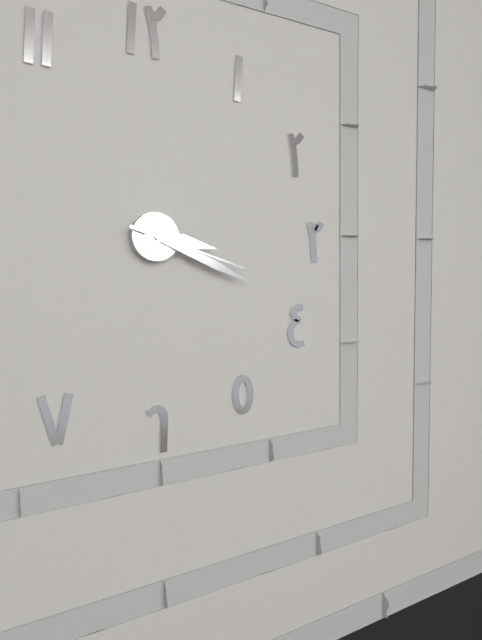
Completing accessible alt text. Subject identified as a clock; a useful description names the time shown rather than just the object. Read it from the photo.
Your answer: 3:19:18
